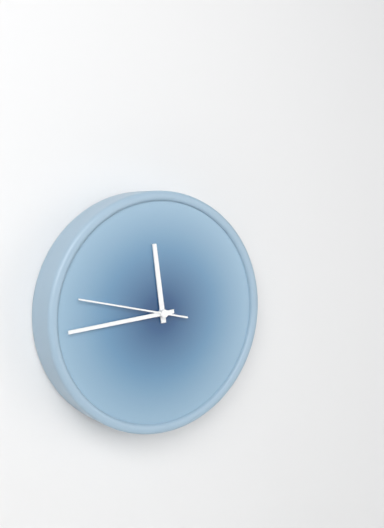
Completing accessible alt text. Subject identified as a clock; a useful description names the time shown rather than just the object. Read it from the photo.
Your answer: 11:44:47
